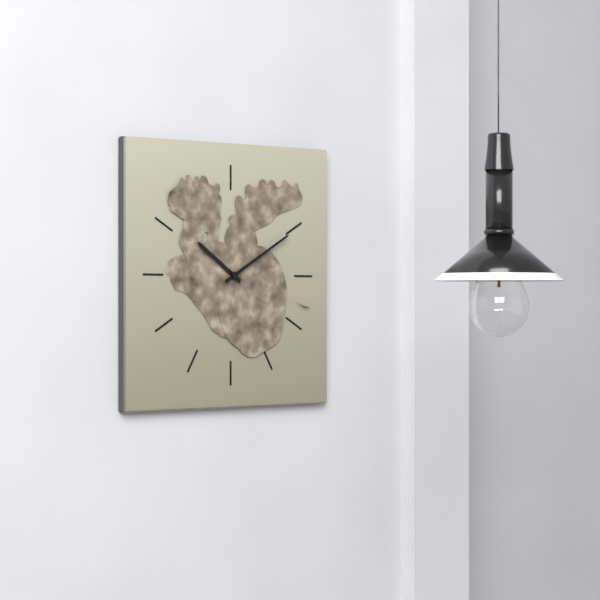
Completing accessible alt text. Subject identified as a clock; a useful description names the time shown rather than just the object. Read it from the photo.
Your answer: 10:10
